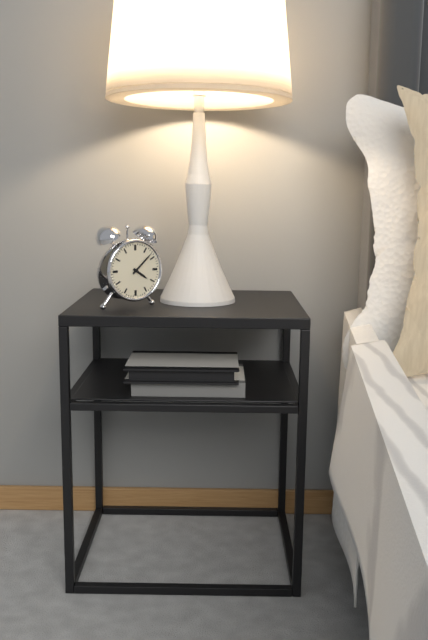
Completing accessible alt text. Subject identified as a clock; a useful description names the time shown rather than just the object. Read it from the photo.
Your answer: 4:08
